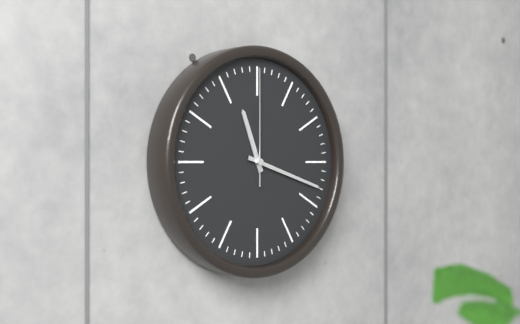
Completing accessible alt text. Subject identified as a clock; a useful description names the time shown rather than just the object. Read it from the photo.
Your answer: 11:18:00
